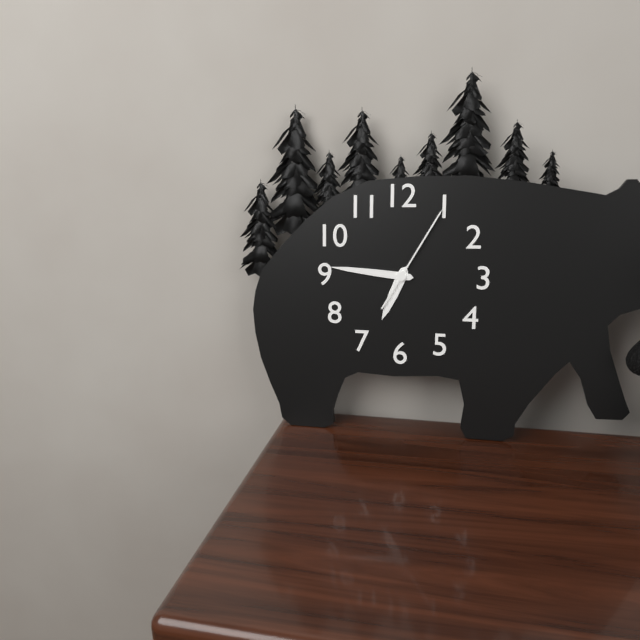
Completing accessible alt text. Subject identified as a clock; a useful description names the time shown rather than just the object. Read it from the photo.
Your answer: 6:46:05
